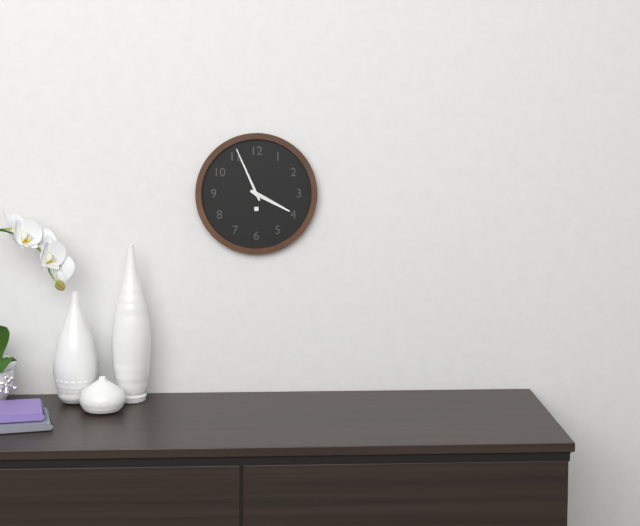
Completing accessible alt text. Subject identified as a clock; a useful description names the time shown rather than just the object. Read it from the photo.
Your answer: 3:56
